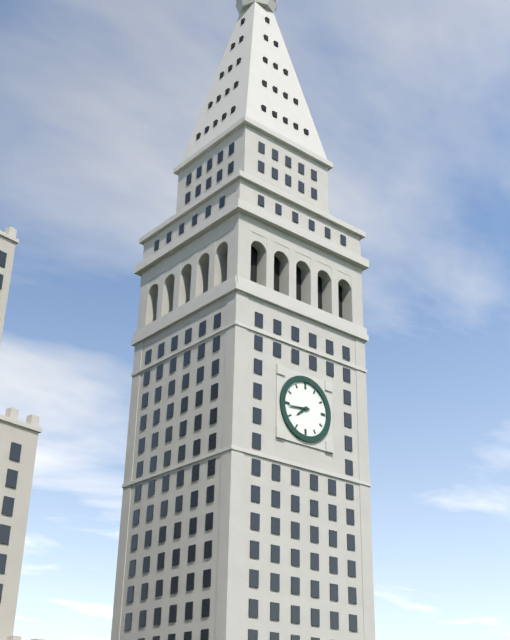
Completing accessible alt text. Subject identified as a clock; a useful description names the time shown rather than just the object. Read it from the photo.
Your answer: 7:44
